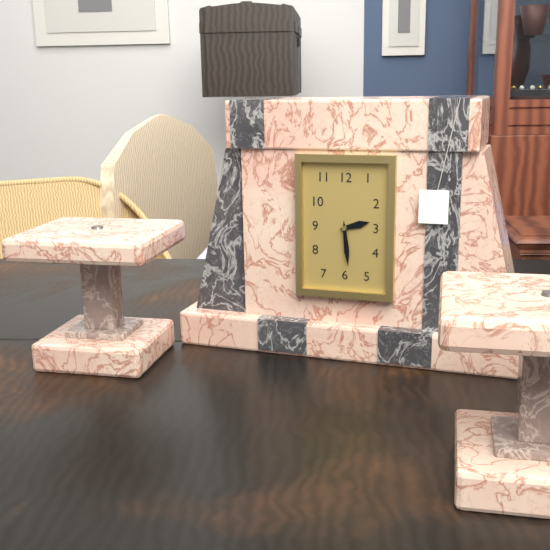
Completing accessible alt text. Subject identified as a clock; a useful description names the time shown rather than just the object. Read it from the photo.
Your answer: 2:29
